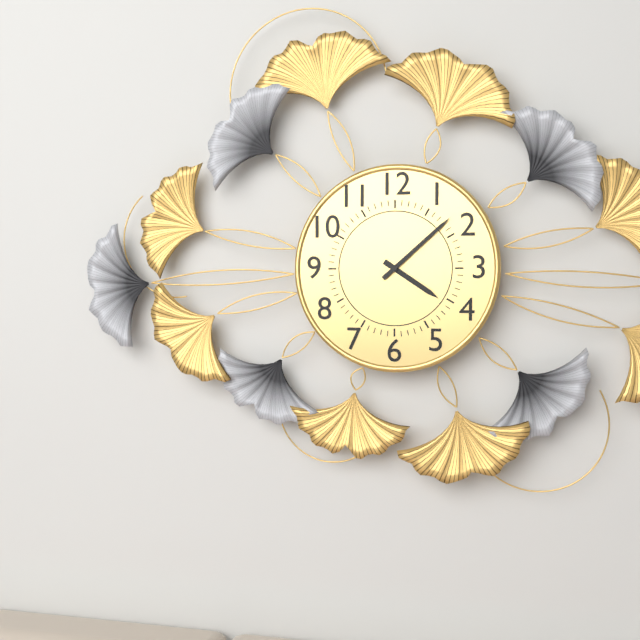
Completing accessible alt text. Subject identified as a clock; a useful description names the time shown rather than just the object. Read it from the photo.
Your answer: 4:08
